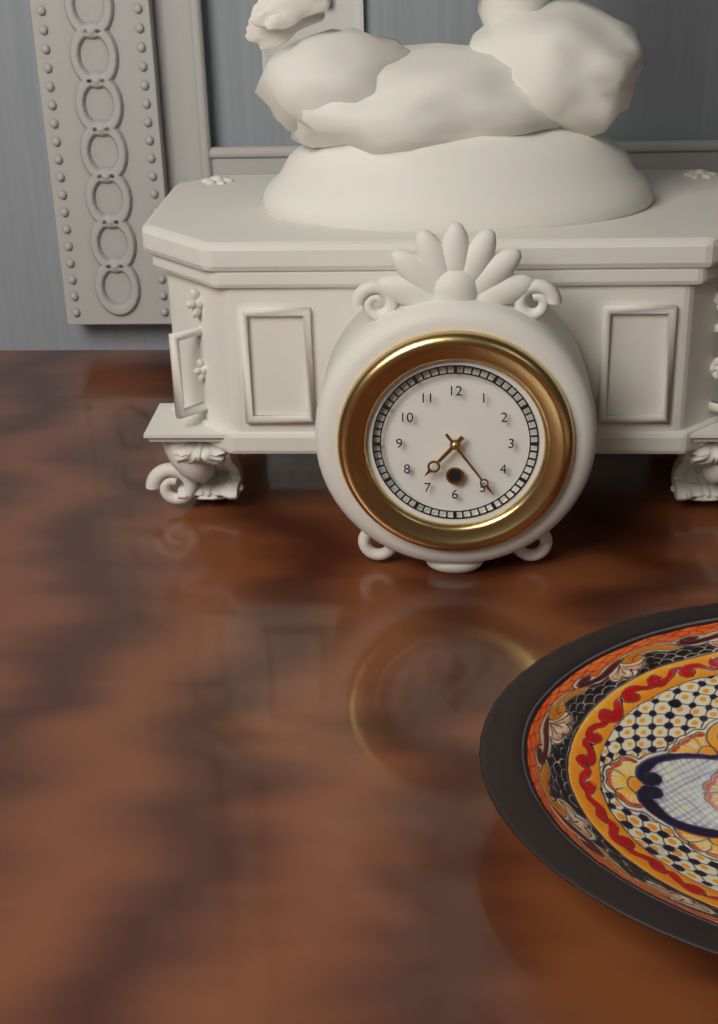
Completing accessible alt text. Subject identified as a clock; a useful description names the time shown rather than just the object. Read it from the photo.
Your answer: 7:24
